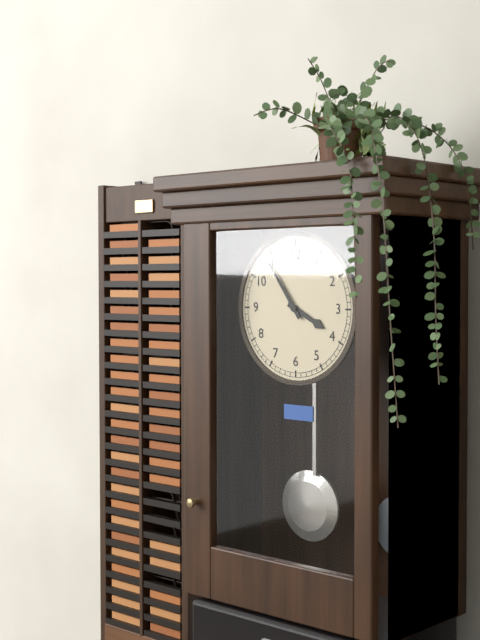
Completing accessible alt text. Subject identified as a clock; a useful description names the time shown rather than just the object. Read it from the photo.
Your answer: 3:54
